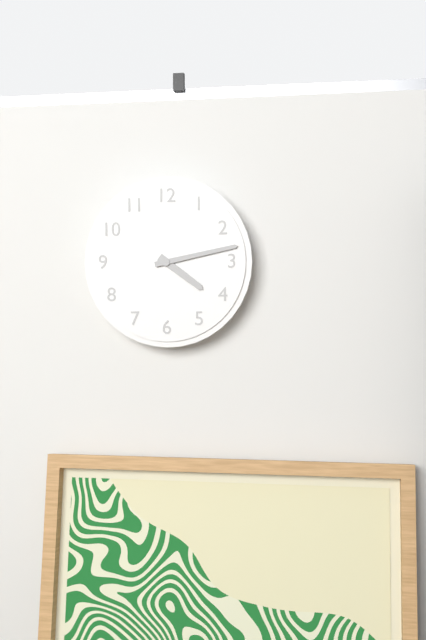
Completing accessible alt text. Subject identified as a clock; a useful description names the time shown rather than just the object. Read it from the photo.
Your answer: 4:13
